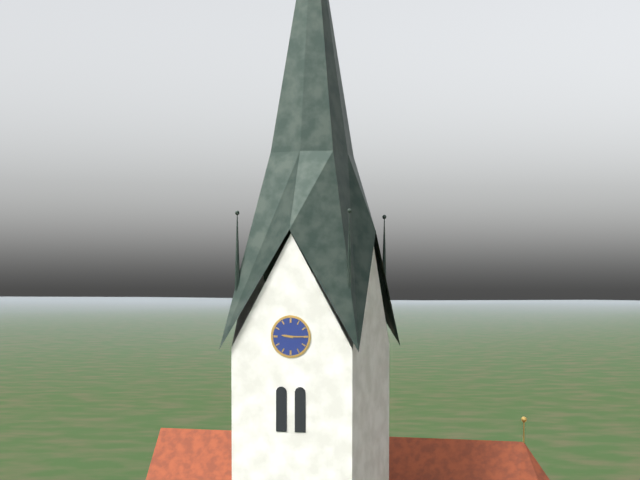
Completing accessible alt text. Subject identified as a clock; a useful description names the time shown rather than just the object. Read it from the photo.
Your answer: 9:15
